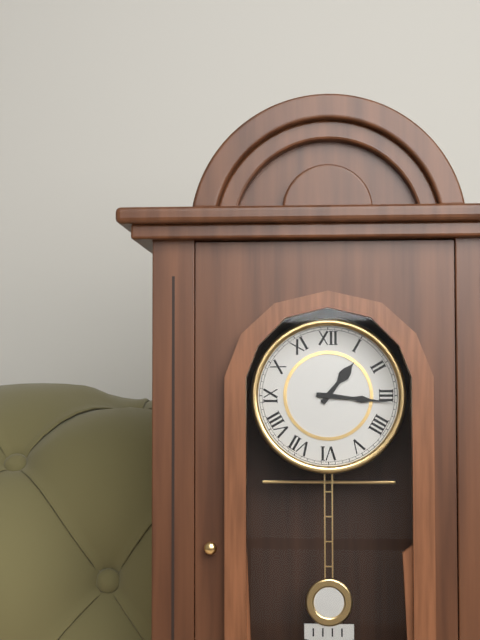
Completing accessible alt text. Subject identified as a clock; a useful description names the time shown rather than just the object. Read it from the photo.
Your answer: 1:16
